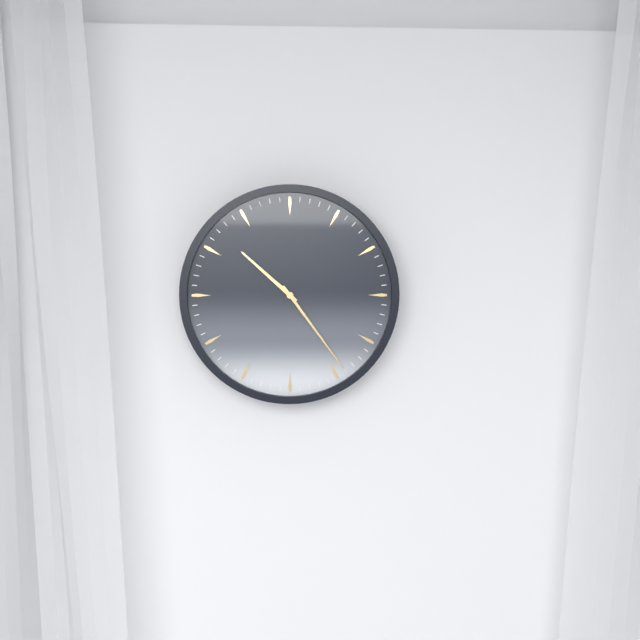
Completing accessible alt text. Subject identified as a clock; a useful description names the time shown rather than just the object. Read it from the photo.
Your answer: 10:24
